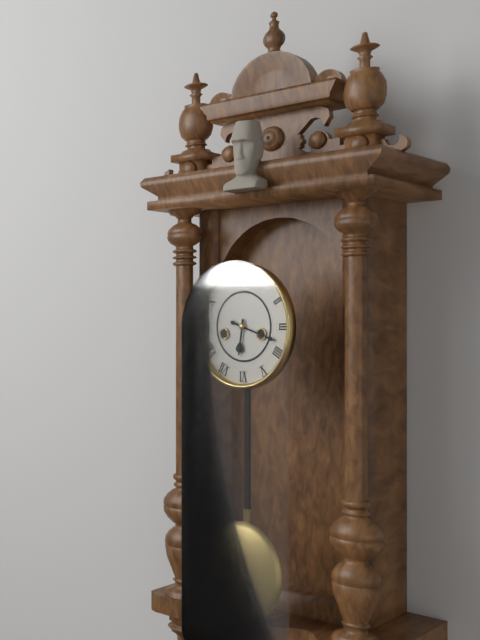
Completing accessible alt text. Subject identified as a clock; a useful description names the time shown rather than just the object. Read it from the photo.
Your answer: 6:18
